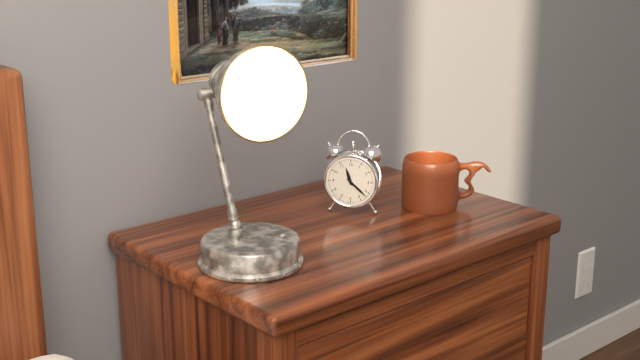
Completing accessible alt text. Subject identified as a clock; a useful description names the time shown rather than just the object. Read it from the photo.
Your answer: 11:22
